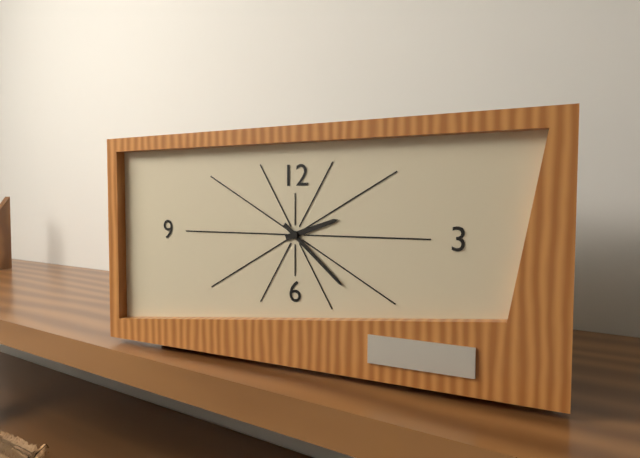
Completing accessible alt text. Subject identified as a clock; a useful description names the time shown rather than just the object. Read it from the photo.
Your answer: 2:22
